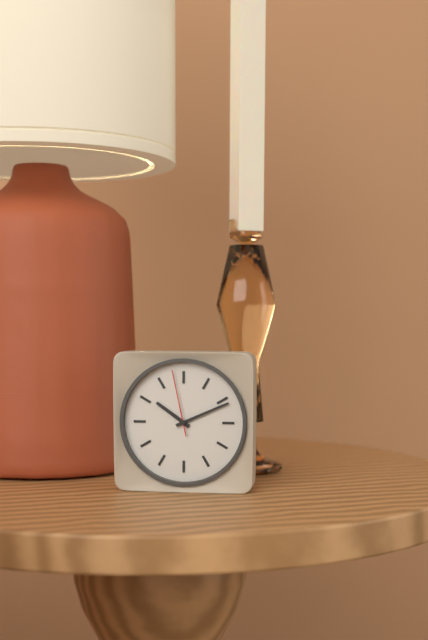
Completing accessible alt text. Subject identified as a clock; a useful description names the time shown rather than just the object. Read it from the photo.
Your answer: 10:11:58
